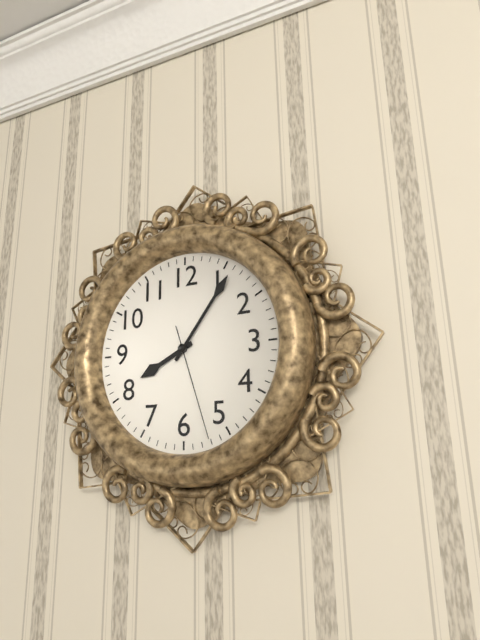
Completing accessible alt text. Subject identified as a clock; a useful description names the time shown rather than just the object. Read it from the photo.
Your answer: 8:06:27
